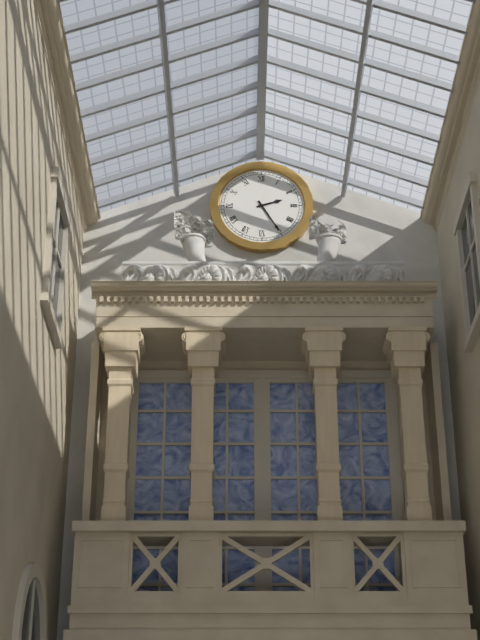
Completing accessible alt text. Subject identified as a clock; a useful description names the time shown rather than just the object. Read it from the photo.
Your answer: 2:25
